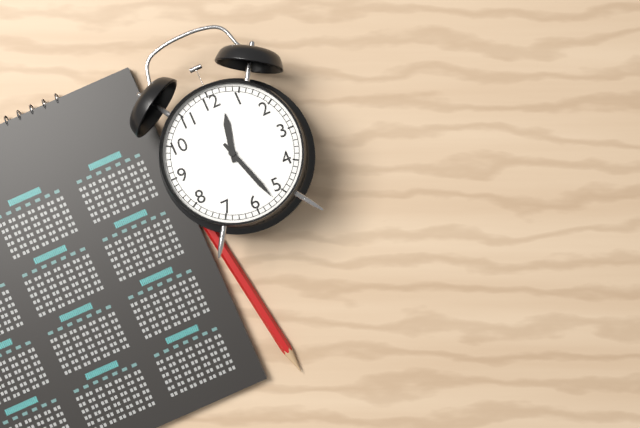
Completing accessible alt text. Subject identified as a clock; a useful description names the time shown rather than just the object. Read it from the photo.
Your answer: 12:27
